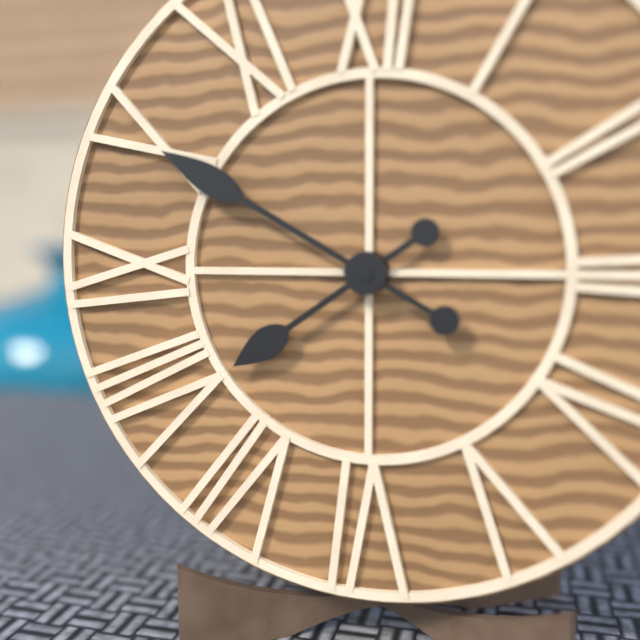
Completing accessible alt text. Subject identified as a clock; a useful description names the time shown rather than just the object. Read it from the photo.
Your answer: 7:50
